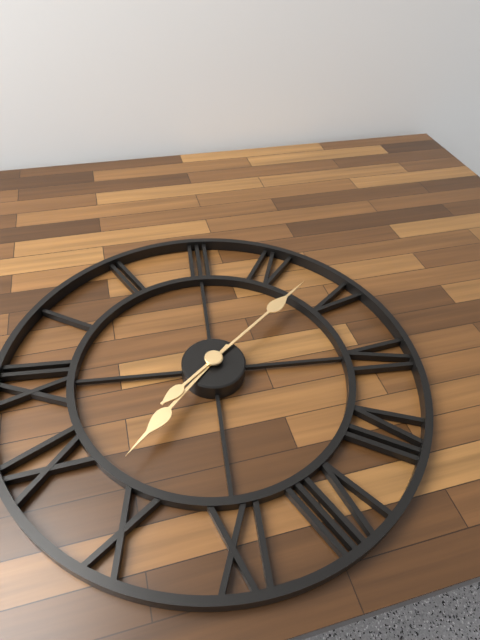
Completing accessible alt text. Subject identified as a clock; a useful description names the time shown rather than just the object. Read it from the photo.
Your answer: 10:23
